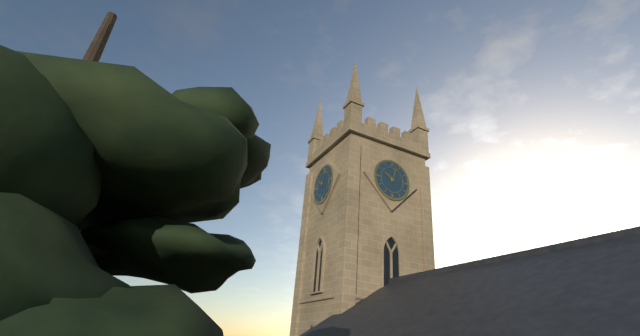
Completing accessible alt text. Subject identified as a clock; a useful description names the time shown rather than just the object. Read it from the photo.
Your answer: 10:03
